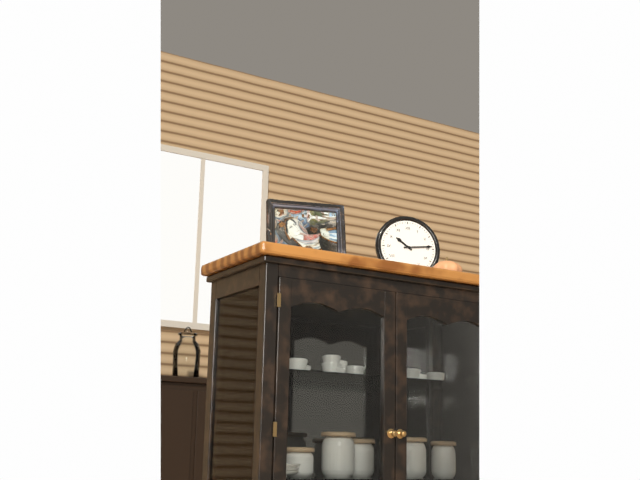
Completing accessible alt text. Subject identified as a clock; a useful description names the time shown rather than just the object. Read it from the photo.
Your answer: 10:14
